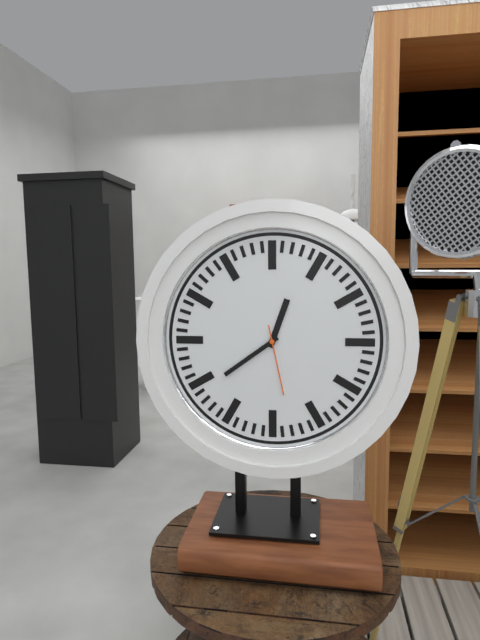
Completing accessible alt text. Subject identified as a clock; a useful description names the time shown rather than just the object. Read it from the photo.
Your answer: 12:39:28
